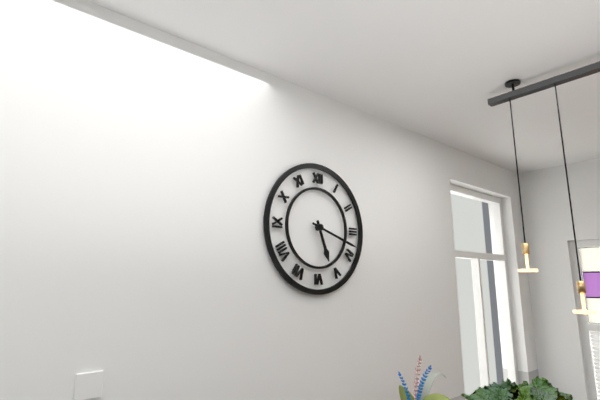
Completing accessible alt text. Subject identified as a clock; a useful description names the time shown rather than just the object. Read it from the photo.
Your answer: 5:18
